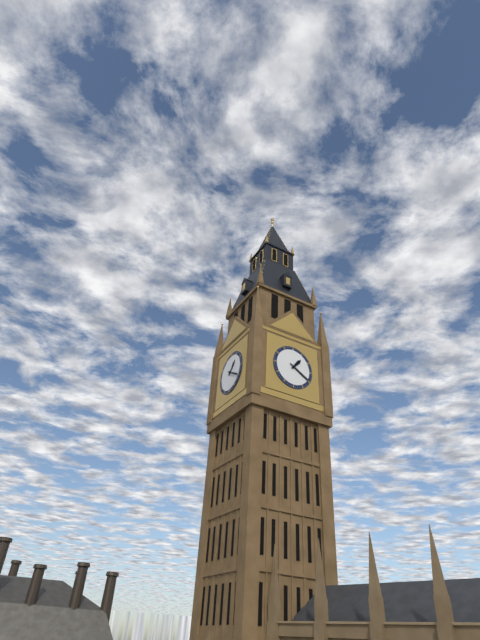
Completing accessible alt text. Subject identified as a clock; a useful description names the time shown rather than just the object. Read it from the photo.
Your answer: 1:20
